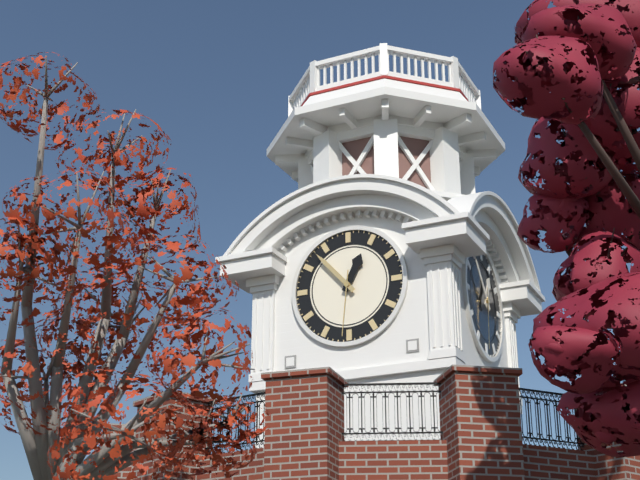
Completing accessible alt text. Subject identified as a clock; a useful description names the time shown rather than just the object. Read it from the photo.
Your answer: 12:53:31
